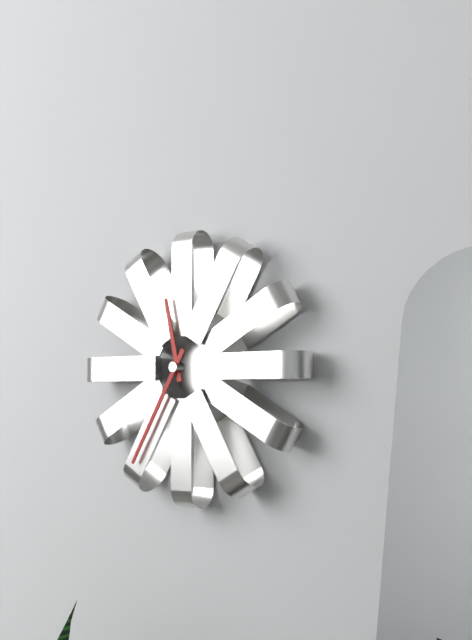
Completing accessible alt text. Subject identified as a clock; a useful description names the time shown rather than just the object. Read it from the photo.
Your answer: 11:35
